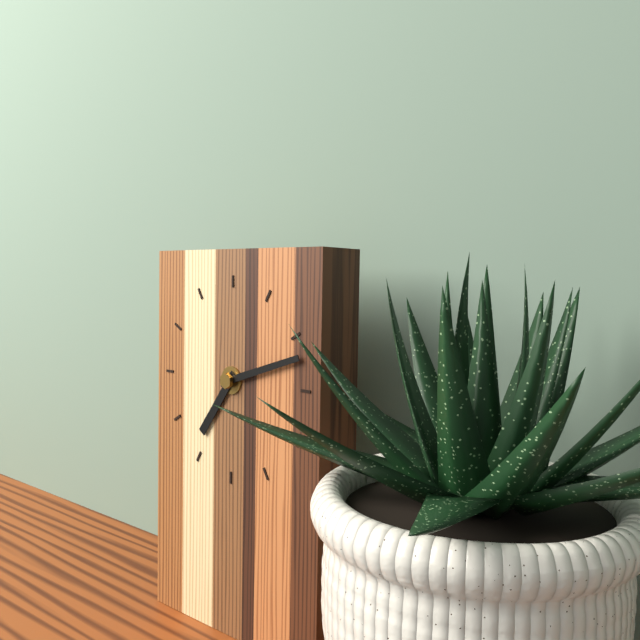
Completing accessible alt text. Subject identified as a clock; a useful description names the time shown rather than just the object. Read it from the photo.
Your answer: 7:12
